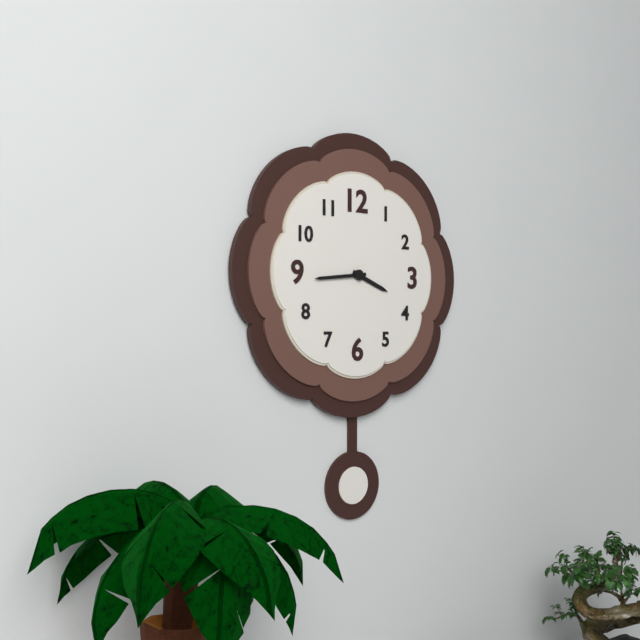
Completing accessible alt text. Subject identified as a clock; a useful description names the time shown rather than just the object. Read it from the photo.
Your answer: 3:44
